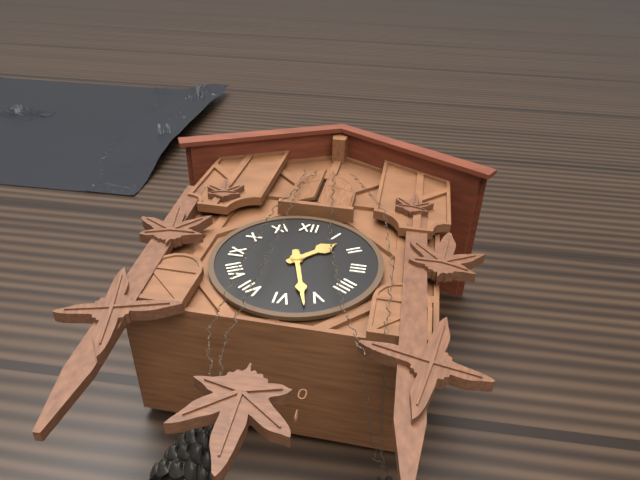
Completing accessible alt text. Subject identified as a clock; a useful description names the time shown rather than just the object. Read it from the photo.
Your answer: 1:27
